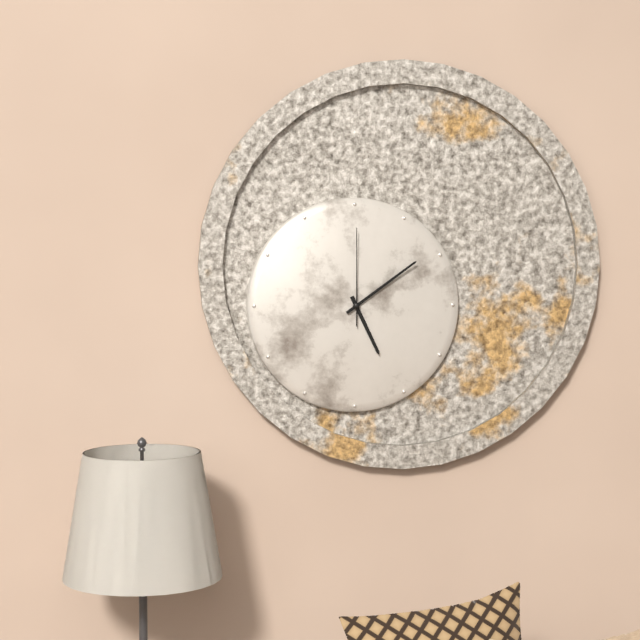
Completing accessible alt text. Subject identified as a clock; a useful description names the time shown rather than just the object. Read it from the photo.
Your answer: 5:09:00
